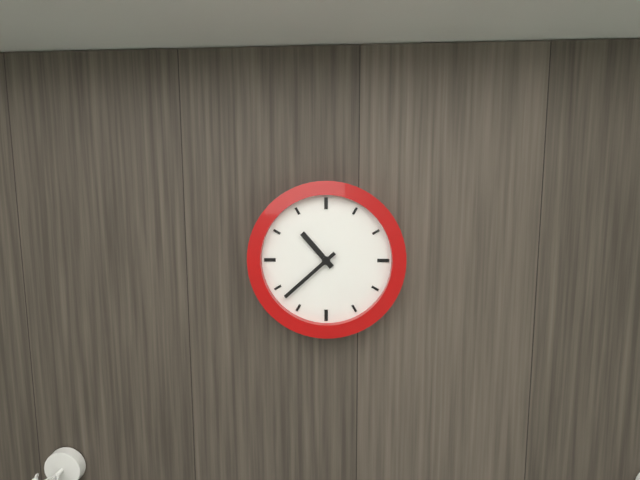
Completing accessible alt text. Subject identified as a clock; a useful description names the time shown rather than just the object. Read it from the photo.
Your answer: 10:38
